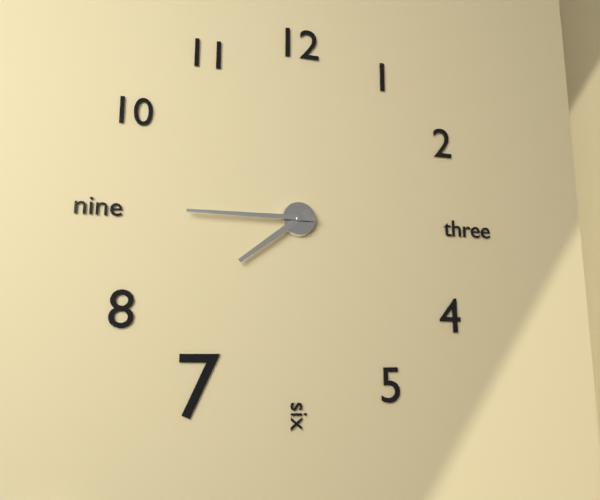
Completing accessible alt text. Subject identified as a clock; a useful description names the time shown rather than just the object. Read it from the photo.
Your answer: 7:45
